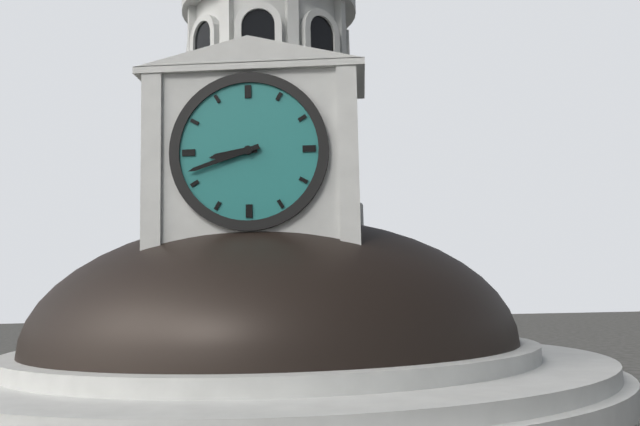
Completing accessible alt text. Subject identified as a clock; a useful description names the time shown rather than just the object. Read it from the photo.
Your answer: 8:42
